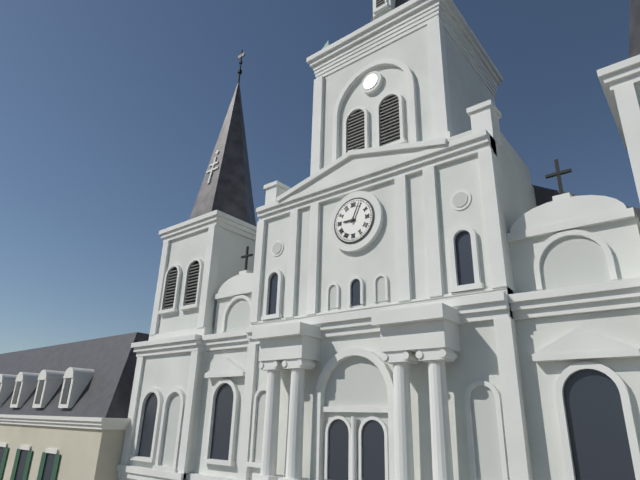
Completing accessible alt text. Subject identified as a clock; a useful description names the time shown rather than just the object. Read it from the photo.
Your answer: 9:04
